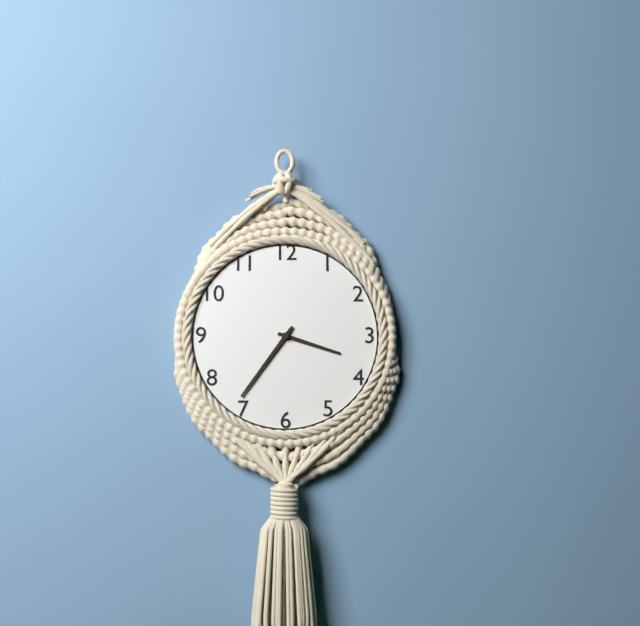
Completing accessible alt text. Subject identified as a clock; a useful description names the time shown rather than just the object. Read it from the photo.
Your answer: 3:36
